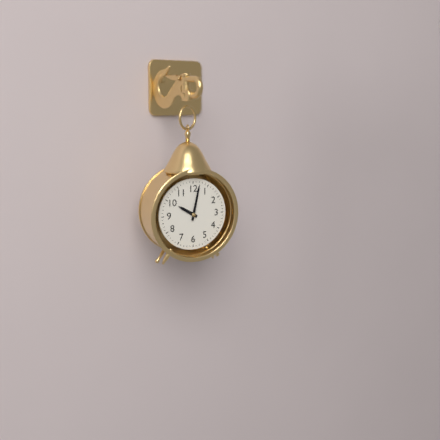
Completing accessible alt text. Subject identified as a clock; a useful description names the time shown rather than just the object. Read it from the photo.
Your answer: 10:02
